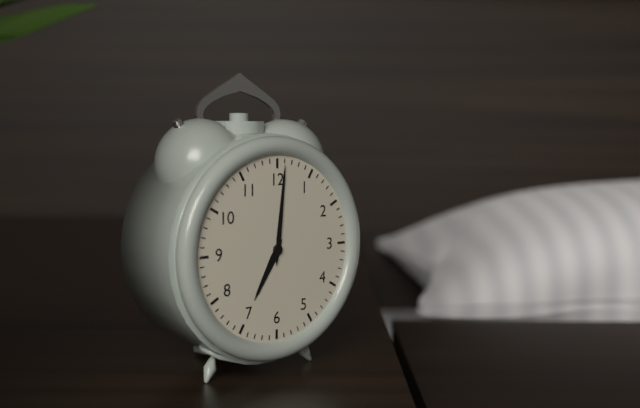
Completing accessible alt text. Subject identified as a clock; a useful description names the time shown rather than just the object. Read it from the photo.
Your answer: 7:01
